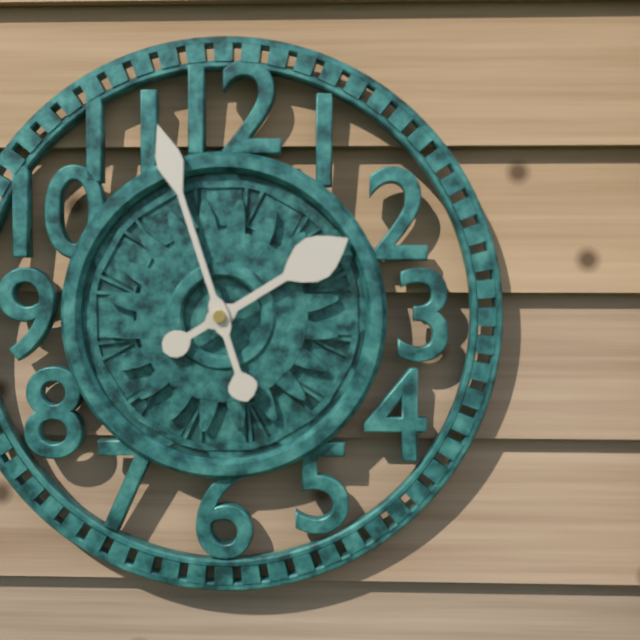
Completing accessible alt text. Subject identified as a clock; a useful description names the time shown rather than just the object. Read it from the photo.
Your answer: 1:57
